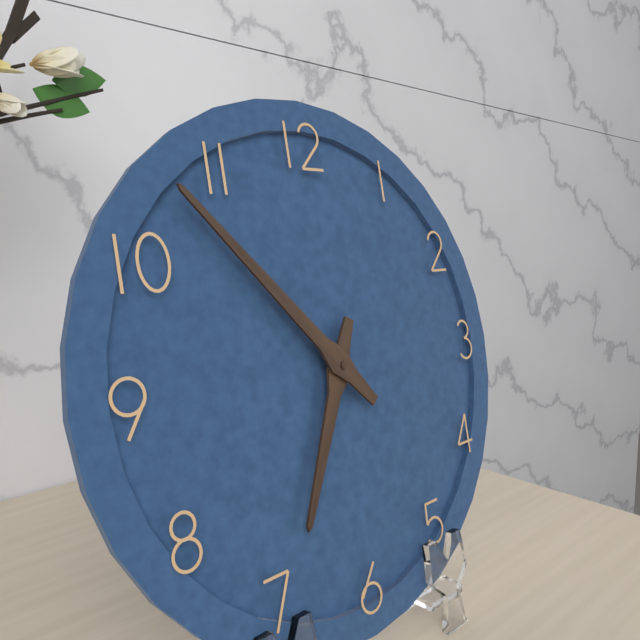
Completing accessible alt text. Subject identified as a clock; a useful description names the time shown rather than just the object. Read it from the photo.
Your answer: 6:53
